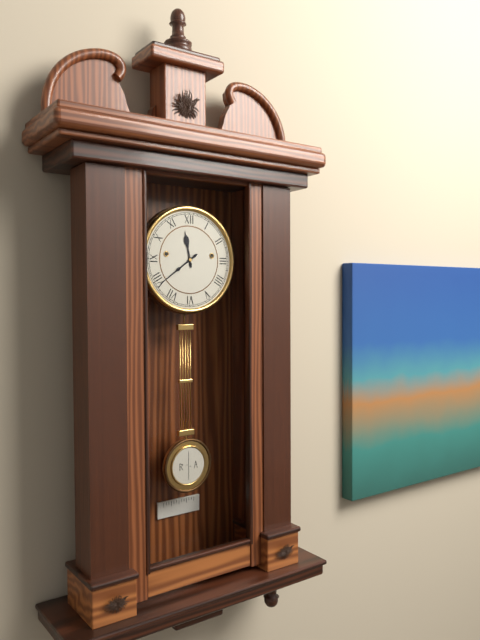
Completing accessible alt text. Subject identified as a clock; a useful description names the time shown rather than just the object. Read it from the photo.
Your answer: 11:39
